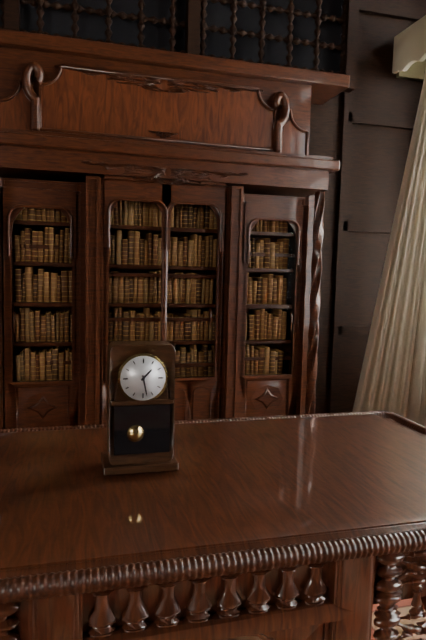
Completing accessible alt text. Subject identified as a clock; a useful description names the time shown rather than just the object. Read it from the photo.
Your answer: 1:28
